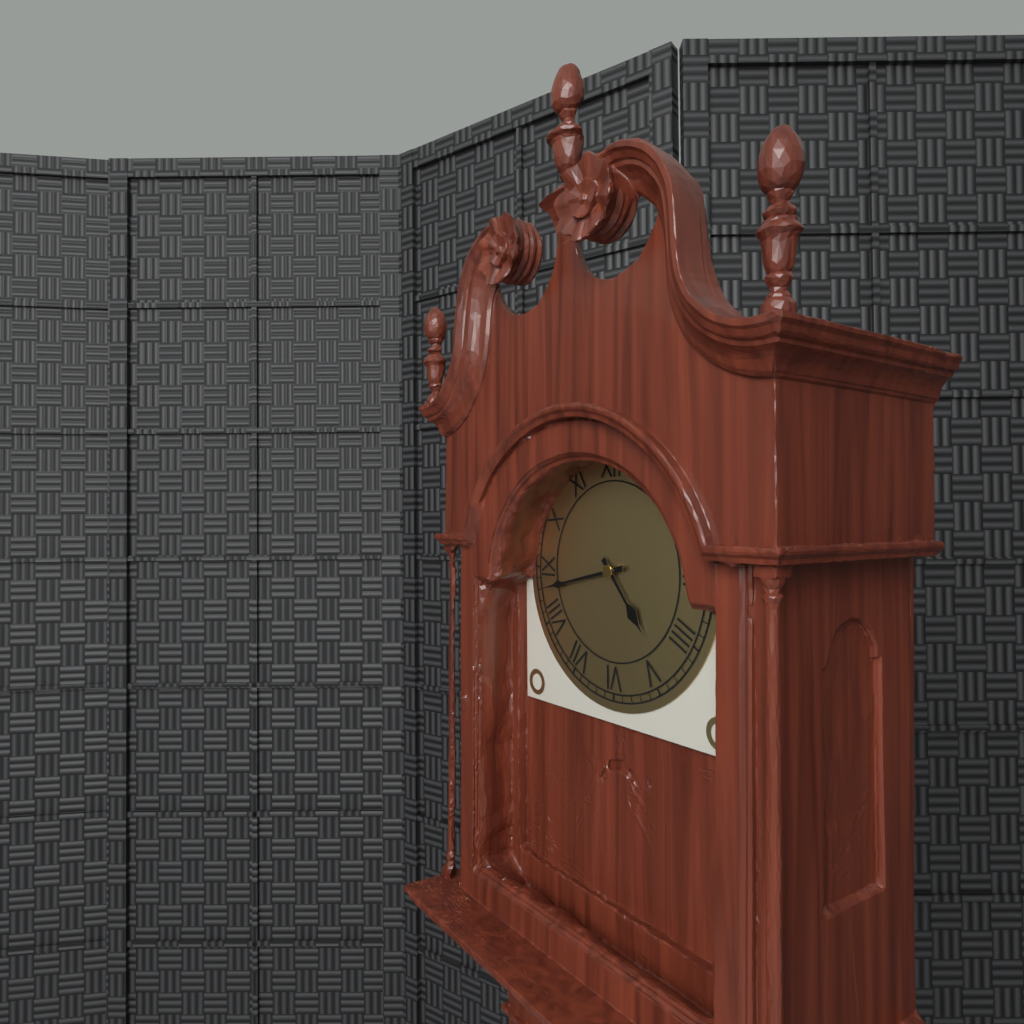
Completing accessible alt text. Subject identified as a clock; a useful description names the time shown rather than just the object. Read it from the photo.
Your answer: 4:43
